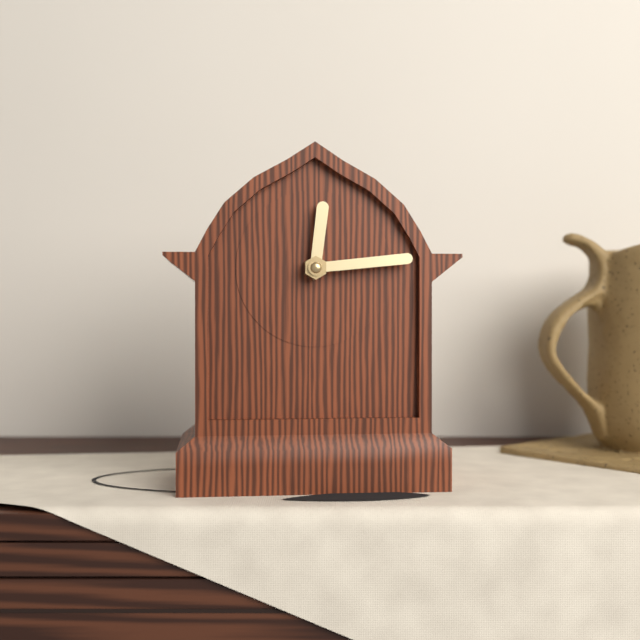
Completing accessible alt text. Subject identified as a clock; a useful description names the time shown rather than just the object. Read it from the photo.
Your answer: 12:14
